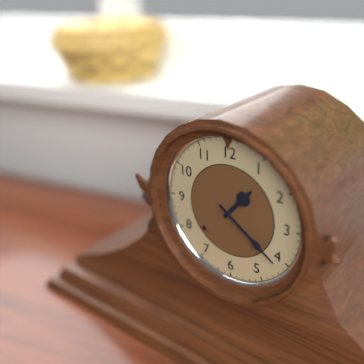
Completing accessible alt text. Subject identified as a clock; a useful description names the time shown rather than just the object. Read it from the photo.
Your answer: 1:21
